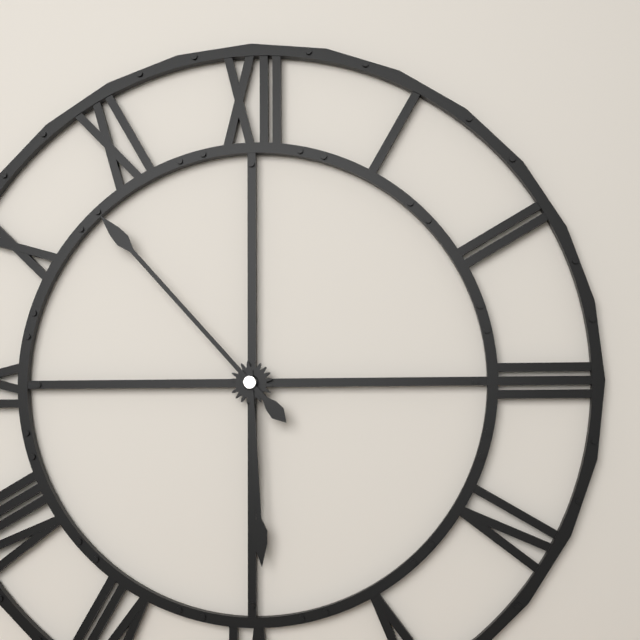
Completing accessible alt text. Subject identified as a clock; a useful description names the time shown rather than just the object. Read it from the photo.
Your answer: 5:53
